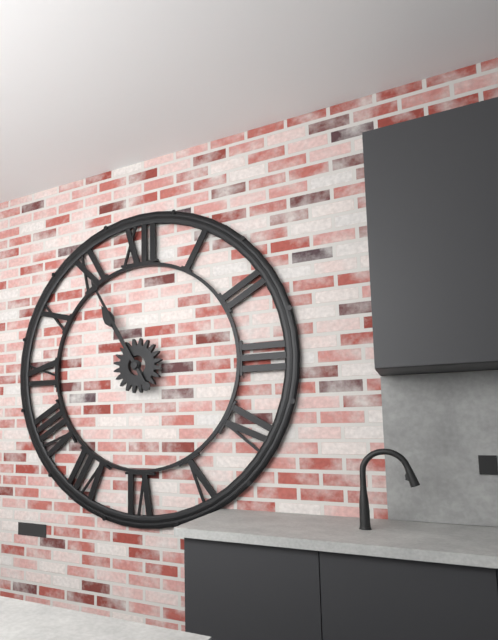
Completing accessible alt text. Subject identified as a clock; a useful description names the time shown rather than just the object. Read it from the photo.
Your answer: 10:55
